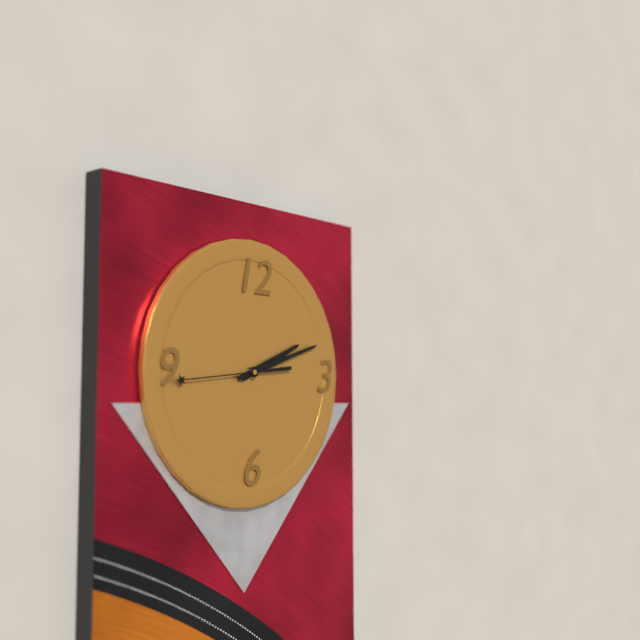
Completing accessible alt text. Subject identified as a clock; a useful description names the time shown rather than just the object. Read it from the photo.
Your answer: 2:12:44
